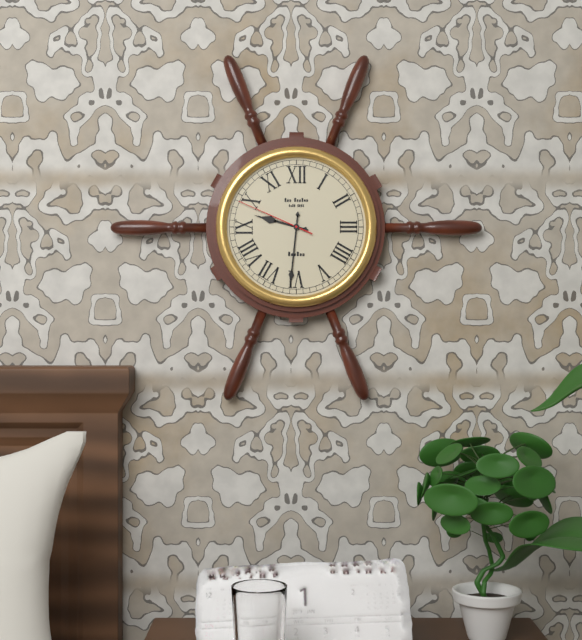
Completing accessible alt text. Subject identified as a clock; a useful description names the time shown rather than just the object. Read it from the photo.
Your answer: 9:31:49
